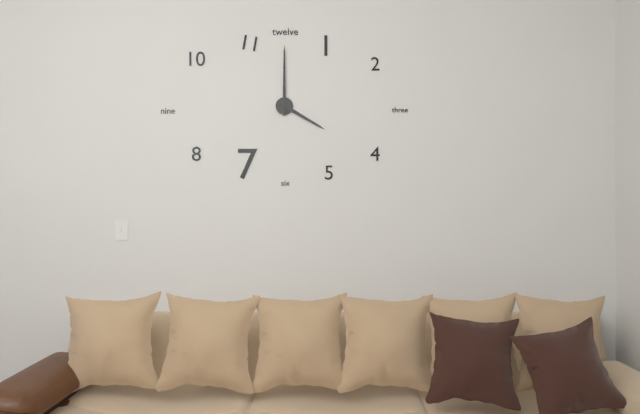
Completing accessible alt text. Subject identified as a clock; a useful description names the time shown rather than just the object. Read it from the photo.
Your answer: 4:00
